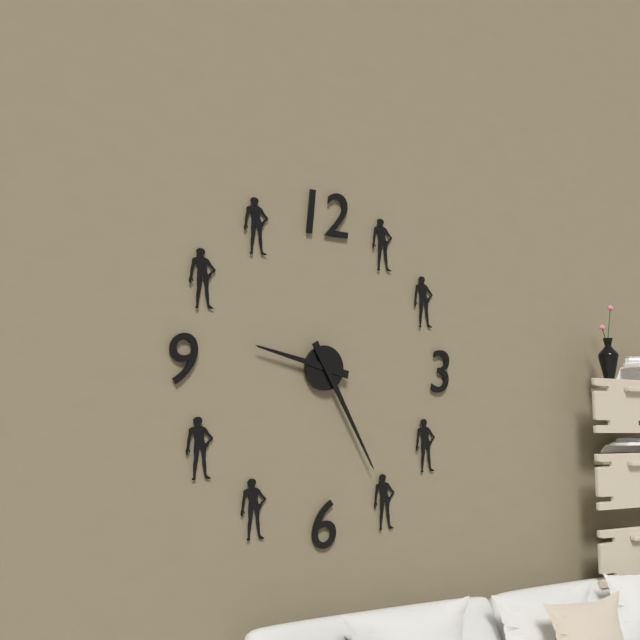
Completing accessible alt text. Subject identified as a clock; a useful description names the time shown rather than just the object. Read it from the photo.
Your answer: 9:25
